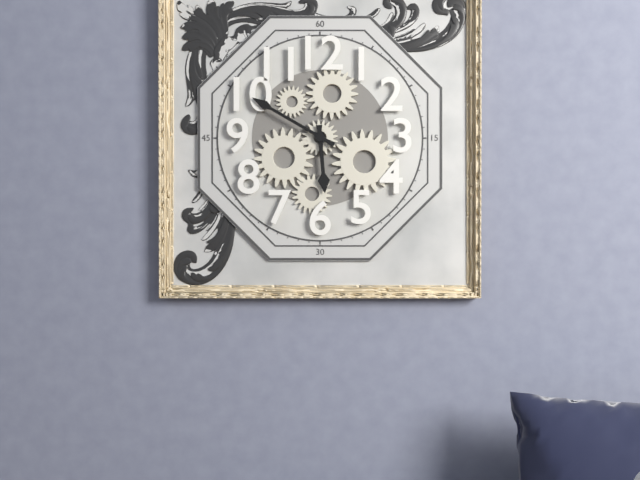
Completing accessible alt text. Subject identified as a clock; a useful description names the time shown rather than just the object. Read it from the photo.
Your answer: 5:50
